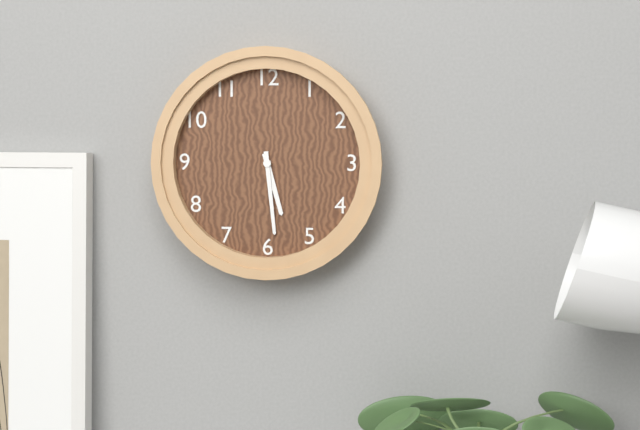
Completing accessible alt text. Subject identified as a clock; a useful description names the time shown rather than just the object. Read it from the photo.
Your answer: 5:29
